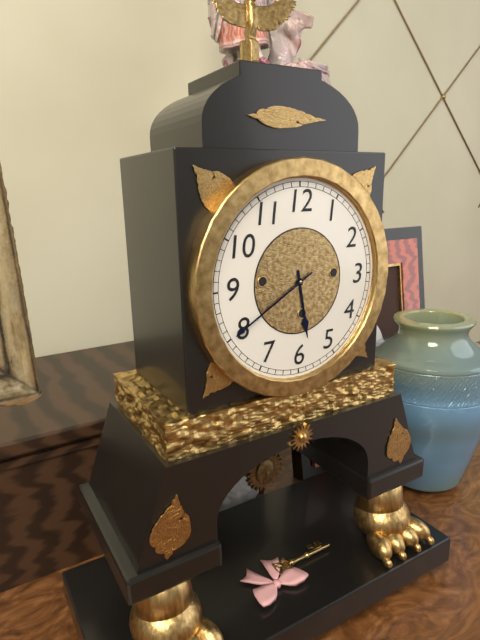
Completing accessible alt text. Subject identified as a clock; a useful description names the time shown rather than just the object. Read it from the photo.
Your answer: 5:40
